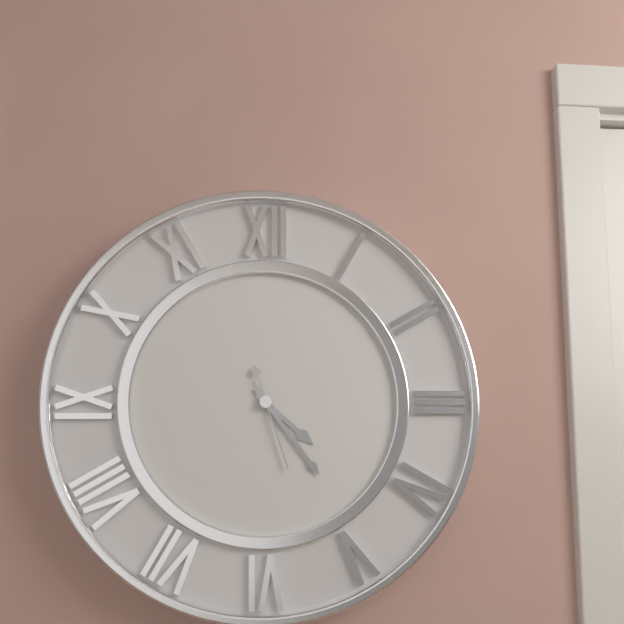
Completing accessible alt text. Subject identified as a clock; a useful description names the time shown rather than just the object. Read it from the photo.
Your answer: 4:24:27
